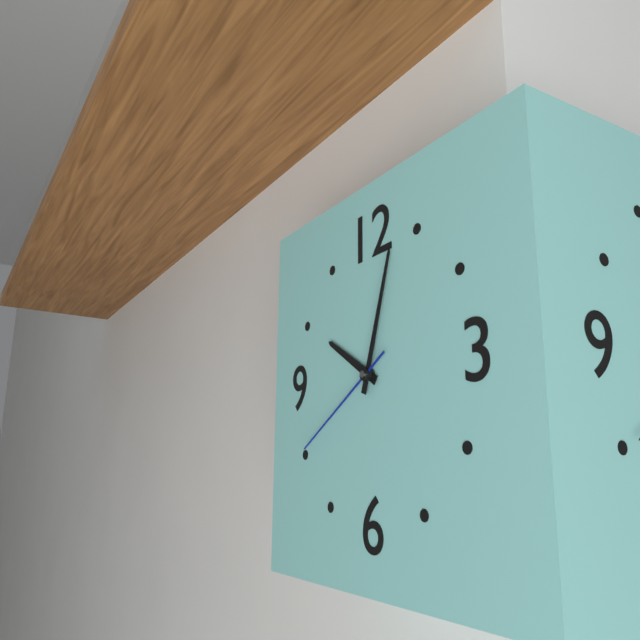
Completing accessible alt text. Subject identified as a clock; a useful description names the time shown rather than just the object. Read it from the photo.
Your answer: 10:03:40
